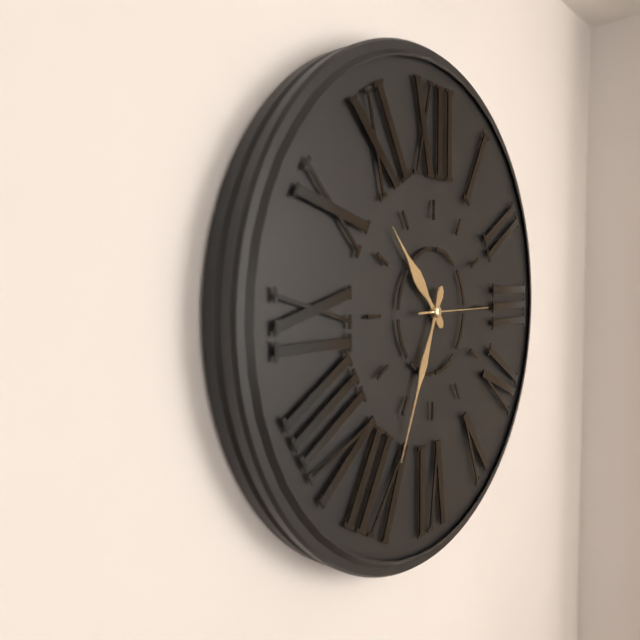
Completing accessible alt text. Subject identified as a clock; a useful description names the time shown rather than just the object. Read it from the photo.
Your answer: 10:34:15
